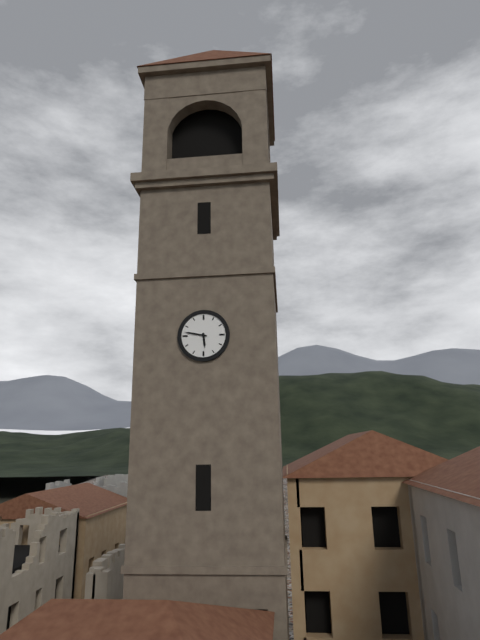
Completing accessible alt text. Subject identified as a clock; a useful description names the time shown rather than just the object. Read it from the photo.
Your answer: 5:47
